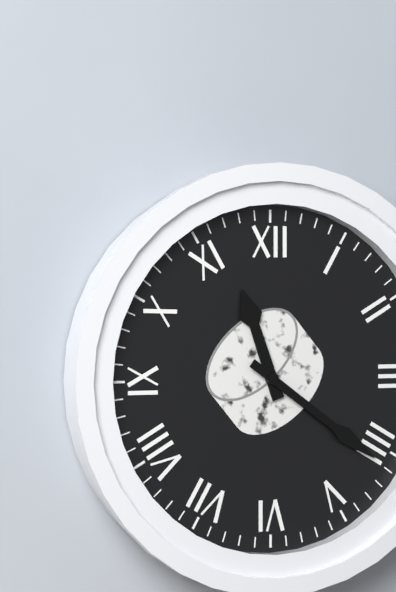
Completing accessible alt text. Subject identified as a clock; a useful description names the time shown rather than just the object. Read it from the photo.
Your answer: 11:21
